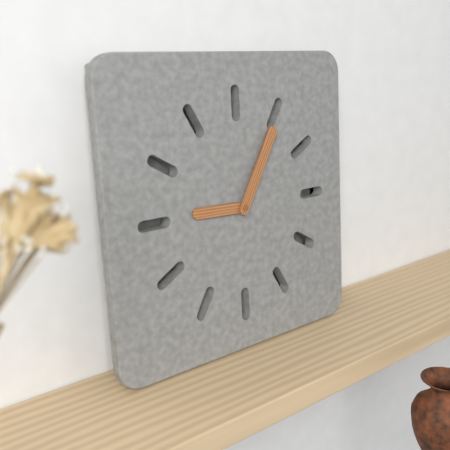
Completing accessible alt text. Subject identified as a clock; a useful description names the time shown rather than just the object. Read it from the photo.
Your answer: 9:05
